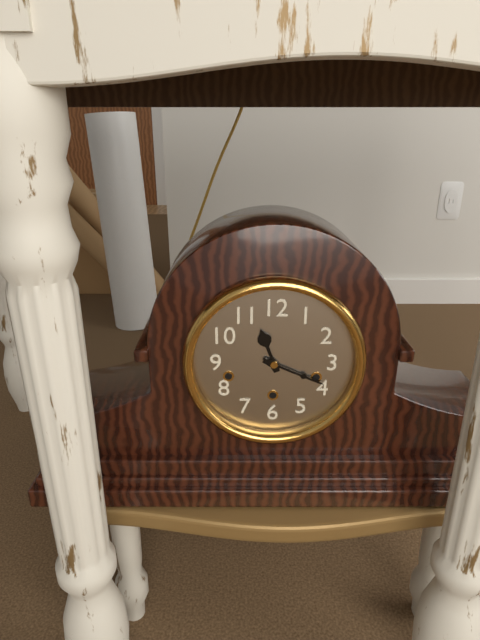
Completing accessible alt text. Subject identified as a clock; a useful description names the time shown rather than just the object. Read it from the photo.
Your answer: 11:19
